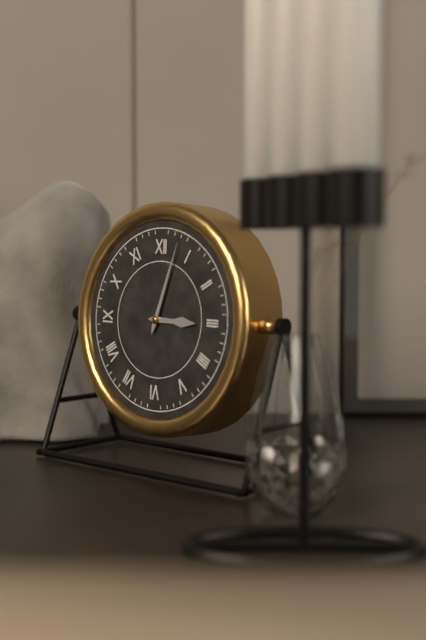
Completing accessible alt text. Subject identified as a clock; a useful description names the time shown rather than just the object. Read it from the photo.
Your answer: 3:03
